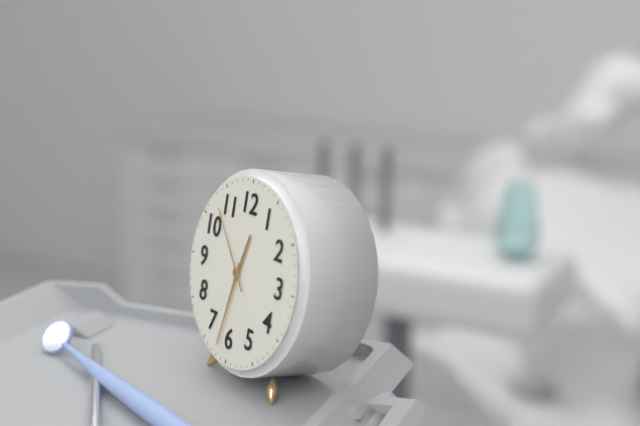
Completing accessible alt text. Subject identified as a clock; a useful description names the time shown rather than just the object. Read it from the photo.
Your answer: 12:32:53
